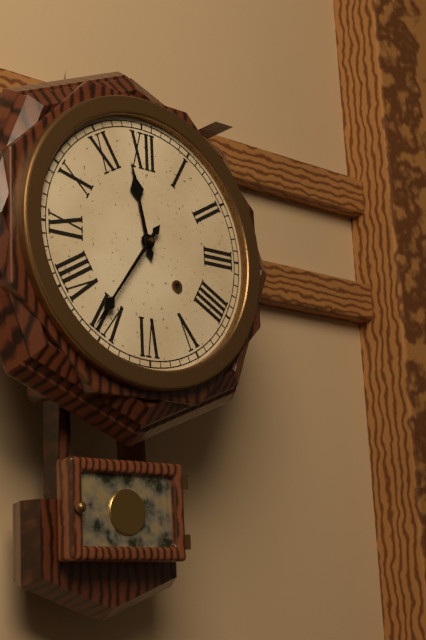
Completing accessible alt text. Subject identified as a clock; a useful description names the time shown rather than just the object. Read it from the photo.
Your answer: 11:36
